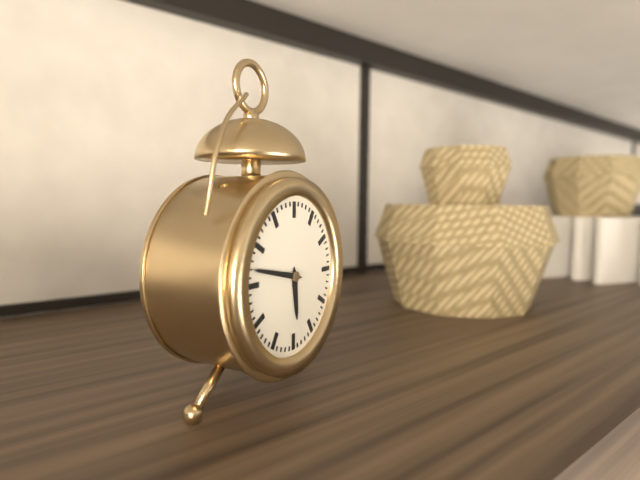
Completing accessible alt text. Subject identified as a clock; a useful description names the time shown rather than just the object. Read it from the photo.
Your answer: 5:47
